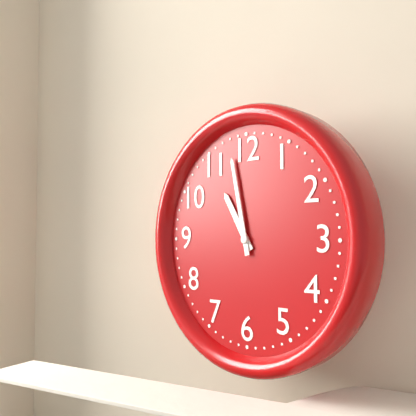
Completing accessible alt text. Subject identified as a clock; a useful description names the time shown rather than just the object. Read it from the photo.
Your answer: 10:58
